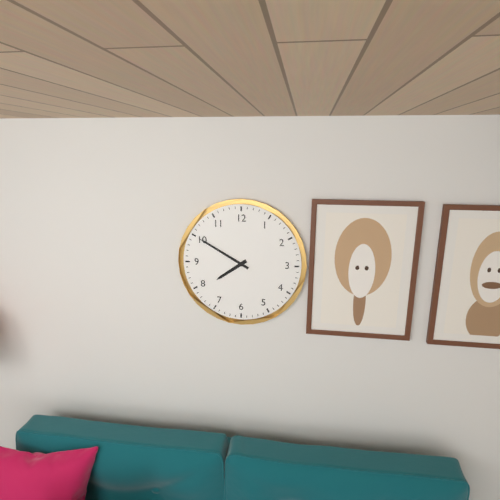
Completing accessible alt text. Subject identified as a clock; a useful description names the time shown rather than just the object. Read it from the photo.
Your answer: 7:50
